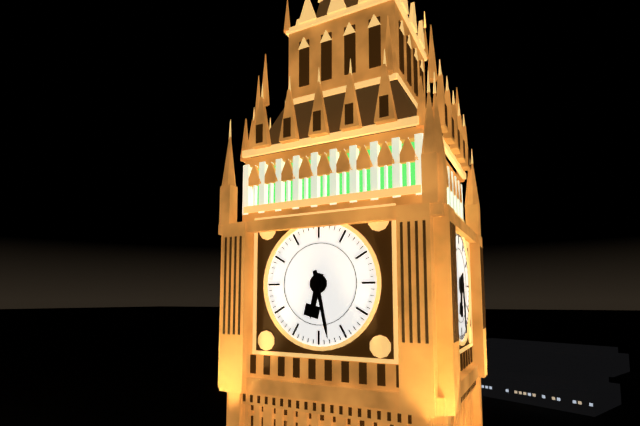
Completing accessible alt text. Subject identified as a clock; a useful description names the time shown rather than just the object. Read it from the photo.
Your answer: 6:28
